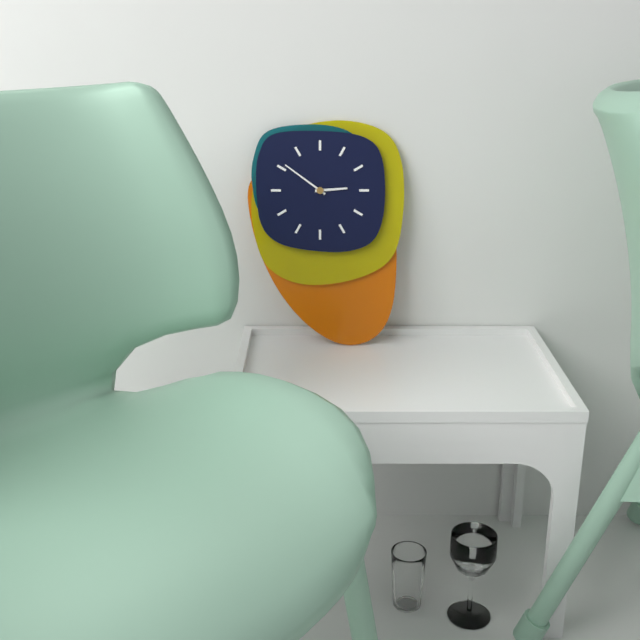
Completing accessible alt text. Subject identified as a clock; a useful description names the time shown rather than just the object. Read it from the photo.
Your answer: 2:51
